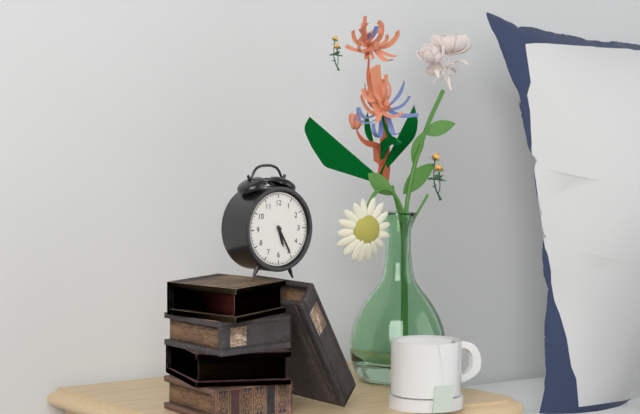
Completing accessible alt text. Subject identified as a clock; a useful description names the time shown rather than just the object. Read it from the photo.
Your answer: 5:25
